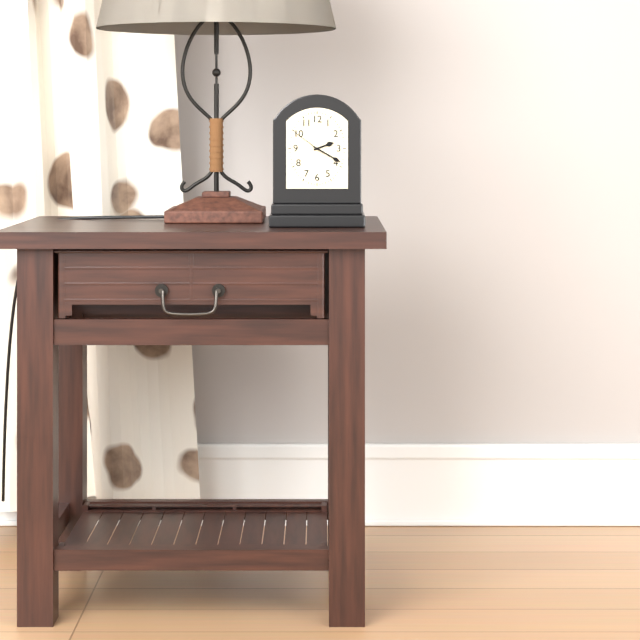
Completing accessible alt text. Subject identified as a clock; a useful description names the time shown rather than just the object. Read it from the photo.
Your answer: 2:20
